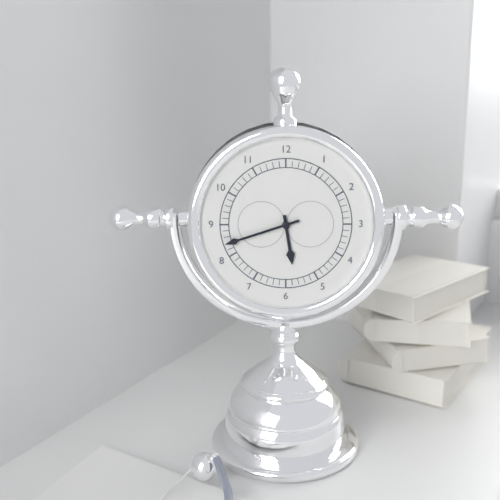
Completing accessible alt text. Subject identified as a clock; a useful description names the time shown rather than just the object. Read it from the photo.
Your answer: 5:42
